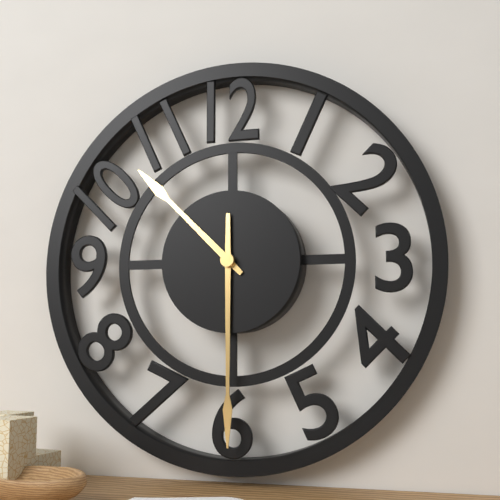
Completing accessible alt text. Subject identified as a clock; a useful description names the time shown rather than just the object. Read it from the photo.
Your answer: 10:30
